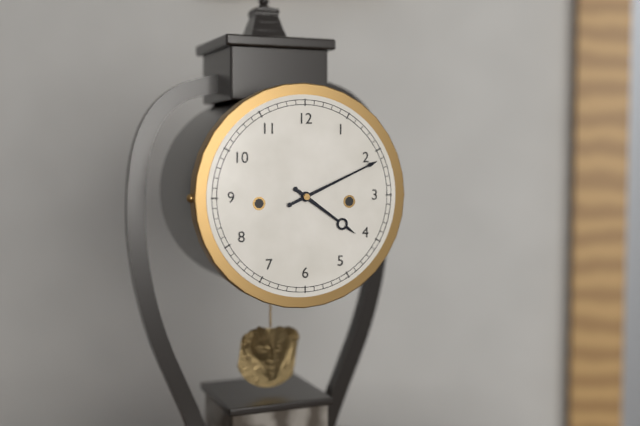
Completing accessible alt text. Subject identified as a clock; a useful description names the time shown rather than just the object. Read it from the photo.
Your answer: 4:11
